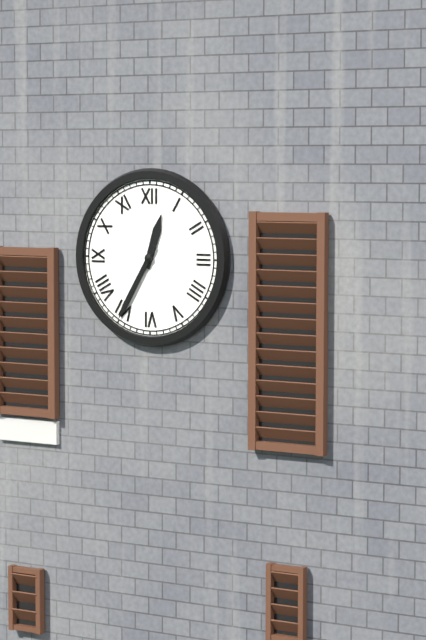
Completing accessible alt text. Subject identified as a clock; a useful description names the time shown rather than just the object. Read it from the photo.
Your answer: 12:35
